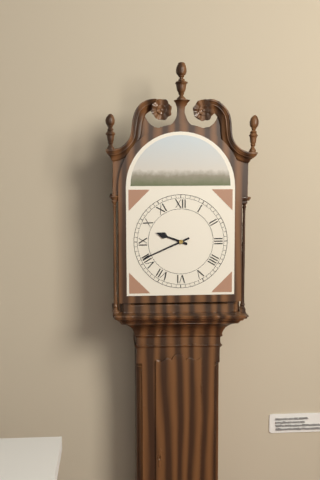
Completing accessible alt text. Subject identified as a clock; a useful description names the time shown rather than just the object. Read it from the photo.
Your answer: 9:41
